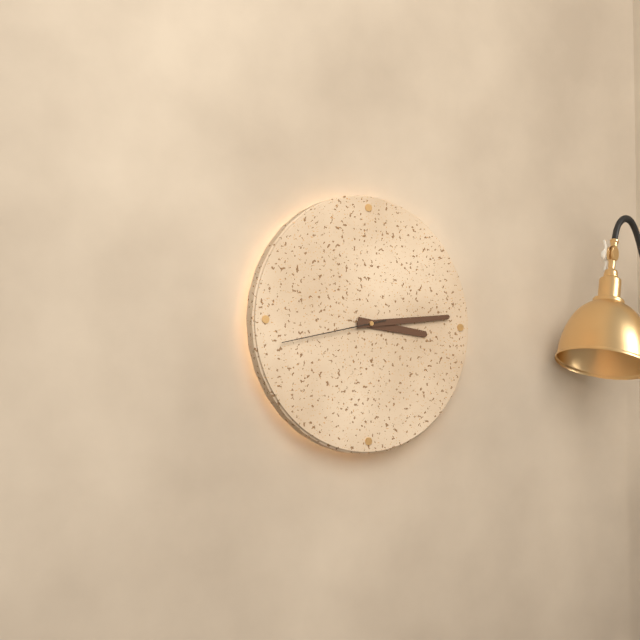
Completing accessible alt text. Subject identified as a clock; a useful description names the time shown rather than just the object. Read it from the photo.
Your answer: 3:14:43
